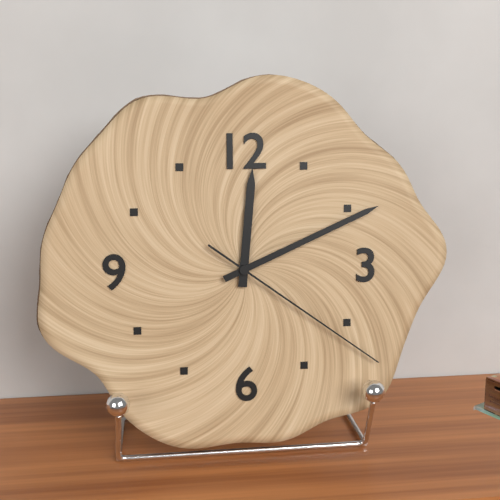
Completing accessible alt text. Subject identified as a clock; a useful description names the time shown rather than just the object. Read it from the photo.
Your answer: 12:11:21
